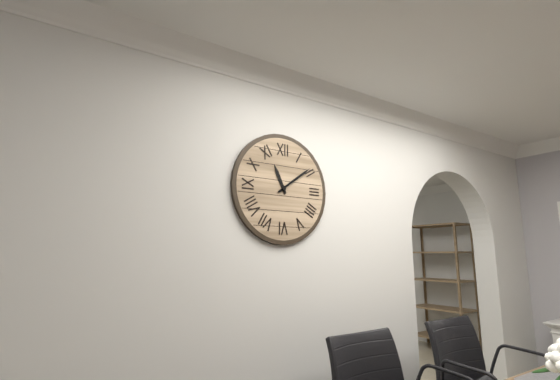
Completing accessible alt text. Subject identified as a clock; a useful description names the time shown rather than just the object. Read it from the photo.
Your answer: 11:09
